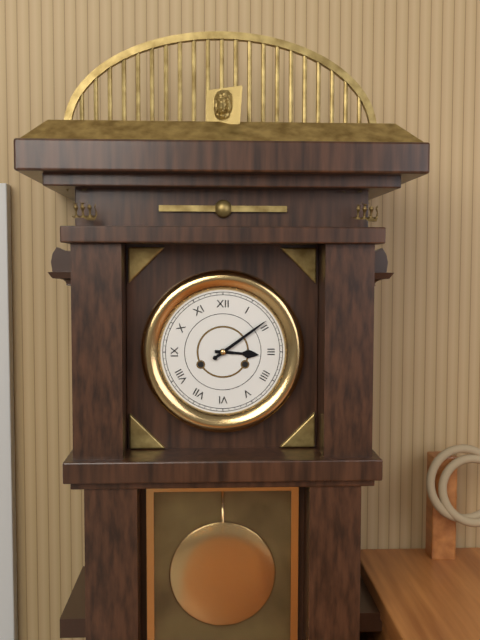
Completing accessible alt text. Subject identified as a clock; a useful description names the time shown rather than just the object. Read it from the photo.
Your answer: 3:09
